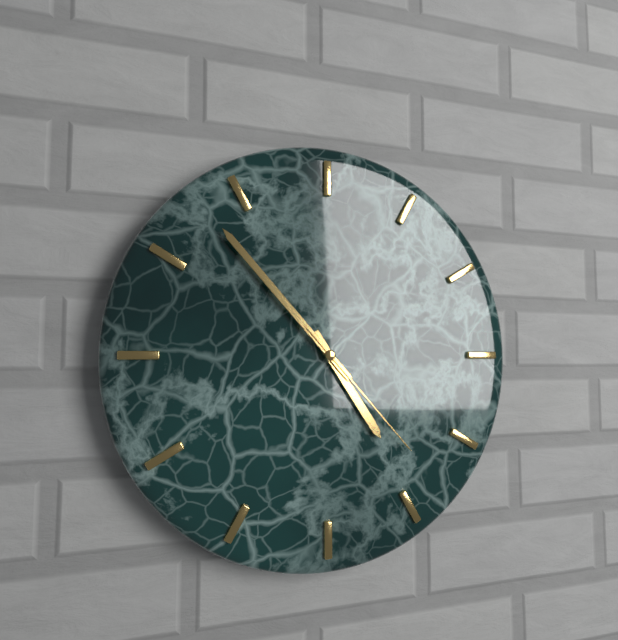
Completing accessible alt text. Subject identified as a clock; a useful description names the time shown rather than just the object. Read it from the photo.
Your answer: 4:53:23
